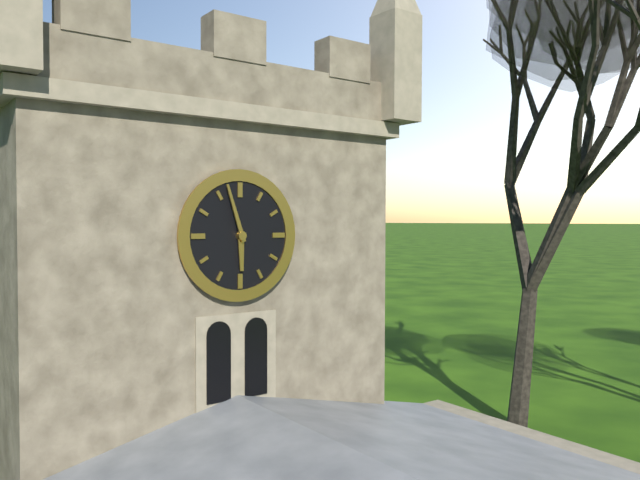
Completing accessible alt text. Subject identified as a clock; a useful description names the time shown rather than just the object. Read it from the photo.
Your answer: 5:57
